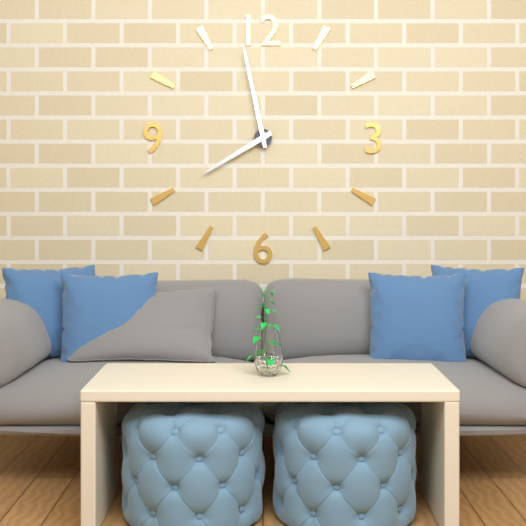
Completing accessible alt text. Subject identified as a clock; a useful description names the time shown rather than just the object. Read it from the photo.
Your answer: 7:58
